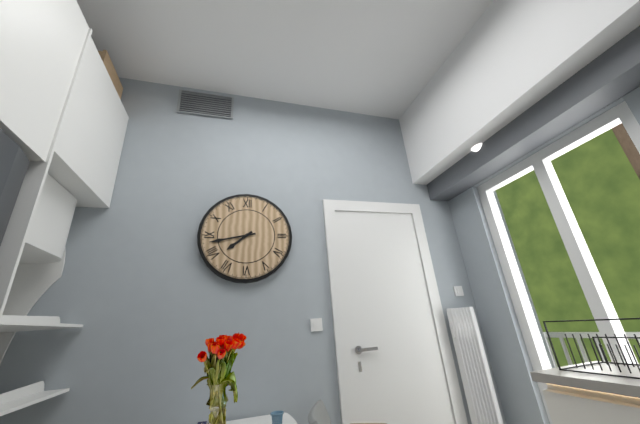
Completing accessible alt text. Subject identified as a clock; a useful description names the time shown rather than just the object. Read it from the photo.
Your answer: 7:43
